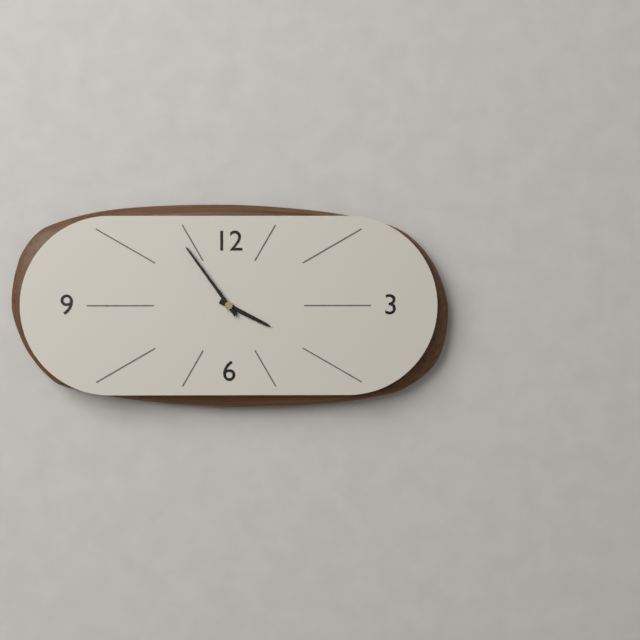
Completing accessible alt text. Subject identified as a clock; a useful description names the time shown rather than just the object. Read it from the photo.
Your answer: 3:54
